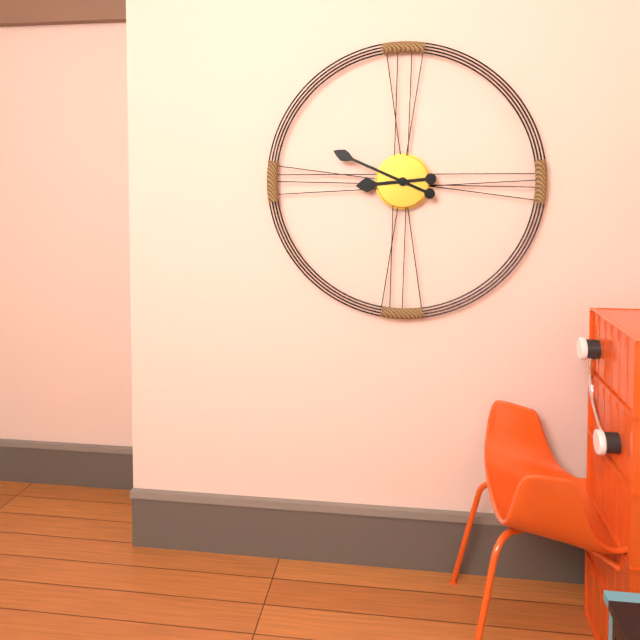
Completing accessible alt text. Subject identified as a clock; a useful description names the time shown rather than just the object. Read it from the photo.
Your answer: 8:49
